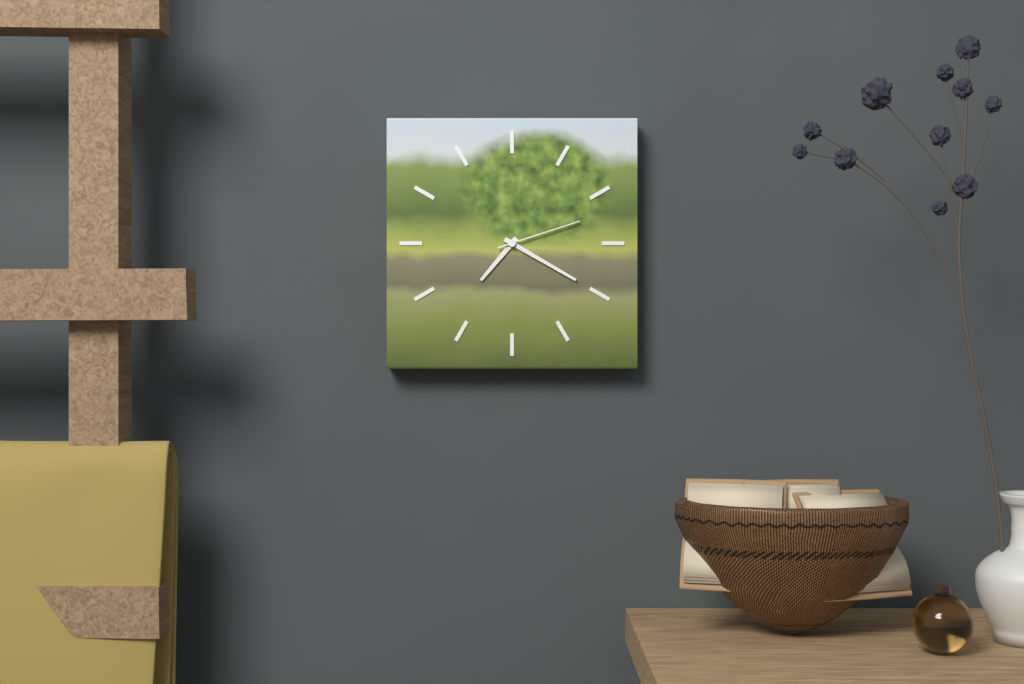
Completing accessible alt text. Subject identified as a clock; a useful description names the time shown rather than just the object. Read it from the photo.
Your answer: 7:20:12
